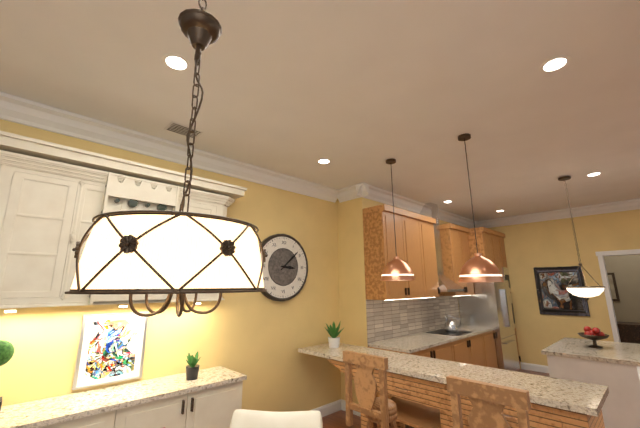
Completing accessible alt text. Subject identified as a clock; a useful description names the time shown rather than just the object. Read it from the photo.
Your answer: 3:08
